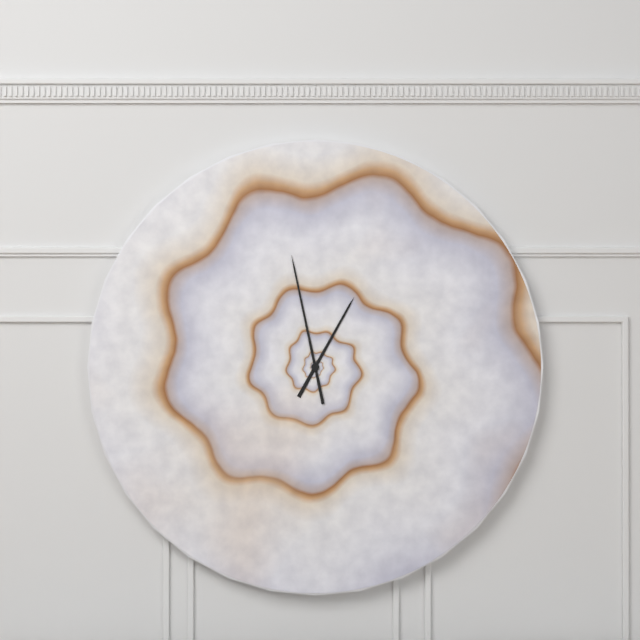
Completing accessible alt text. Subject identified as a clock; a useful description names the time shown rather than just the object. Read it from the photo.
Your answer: 12:58
